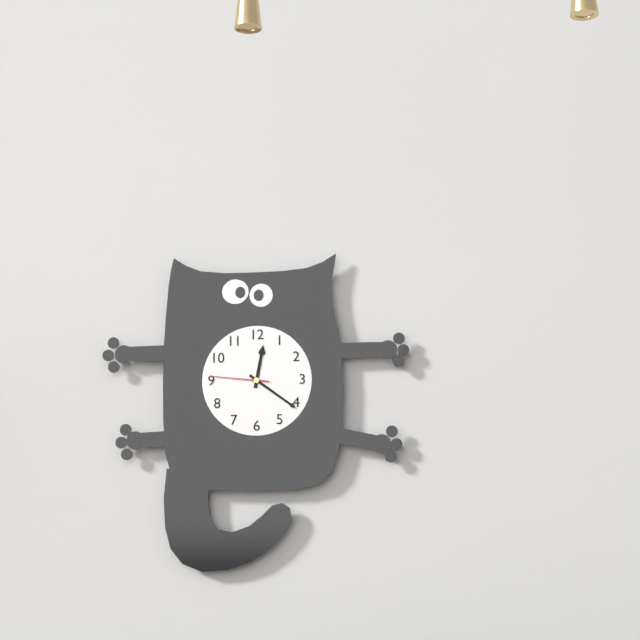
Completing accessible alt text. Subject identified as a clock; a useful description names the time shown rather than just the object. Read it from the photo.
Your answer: 12:21:46
